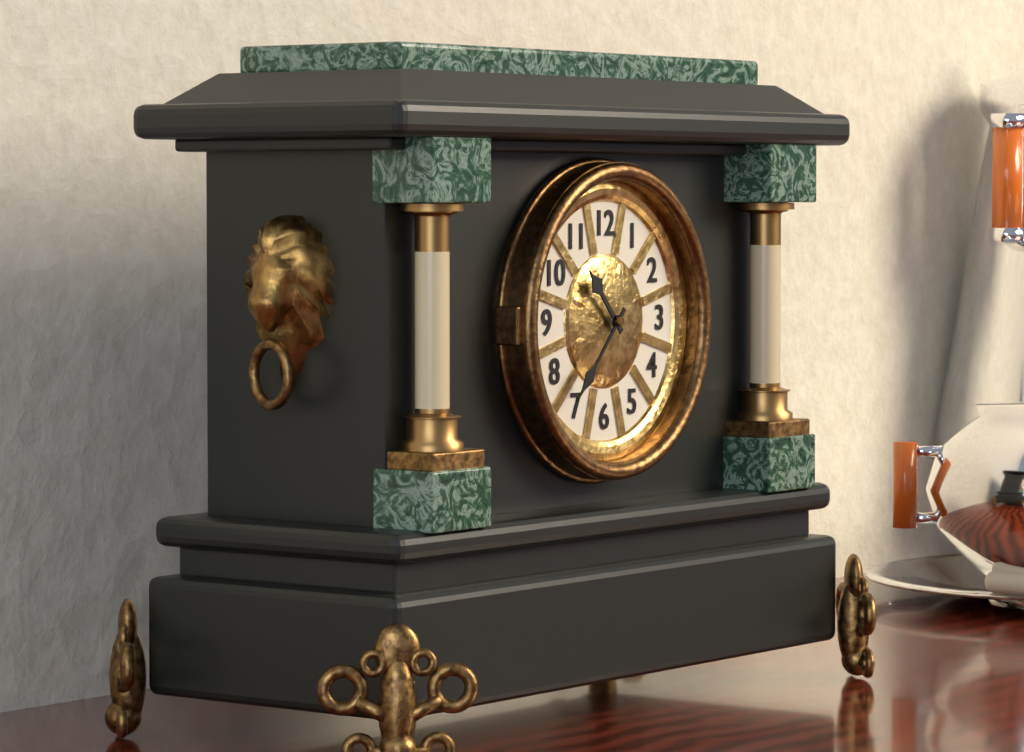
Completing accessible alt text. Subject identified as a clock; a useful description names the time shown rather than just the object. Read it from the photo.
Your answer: 10:37
